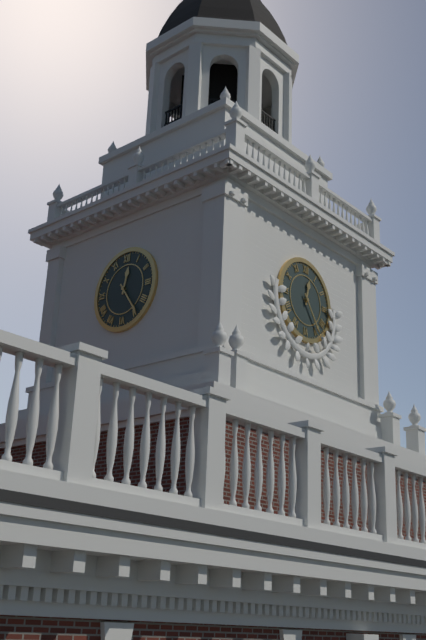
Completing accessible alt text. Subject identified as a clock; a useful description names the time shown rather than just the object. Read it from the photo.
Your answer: 12:24
